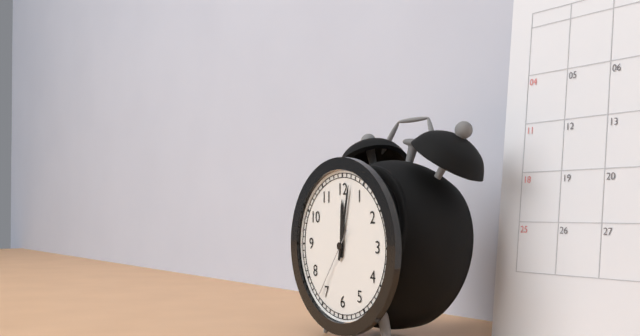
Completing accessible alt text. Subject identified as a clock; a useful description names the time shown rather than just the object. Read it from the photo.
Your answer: 12:02:36
